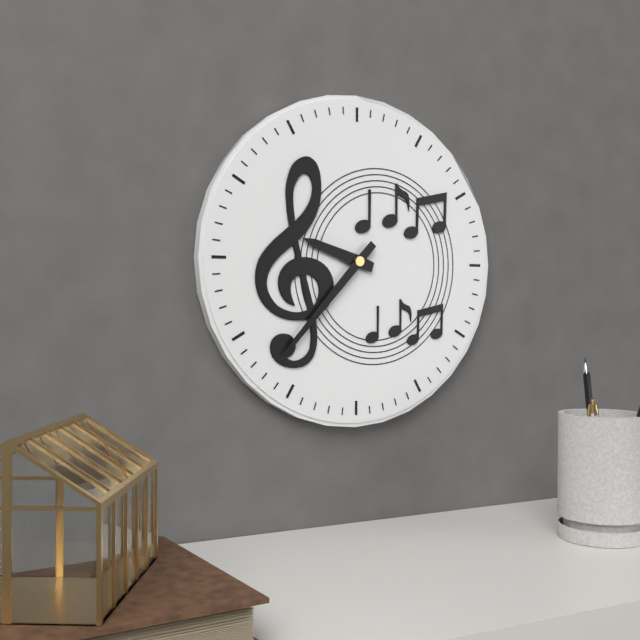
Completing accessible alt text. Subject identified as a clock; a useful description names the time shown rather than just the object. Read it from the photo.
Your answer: 9:37
